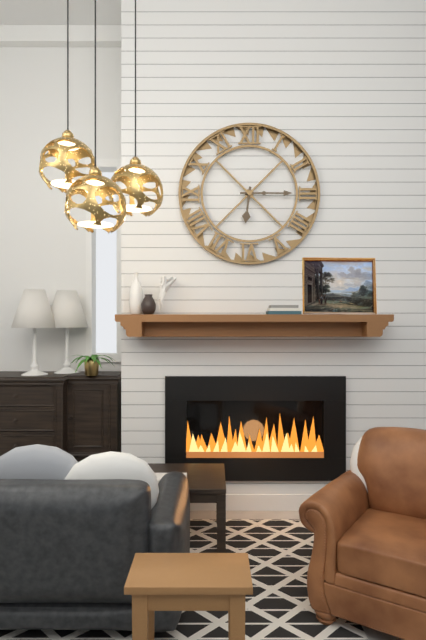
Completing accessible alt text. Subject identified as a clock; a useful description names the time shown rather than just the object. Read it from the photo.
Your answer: 6:15
